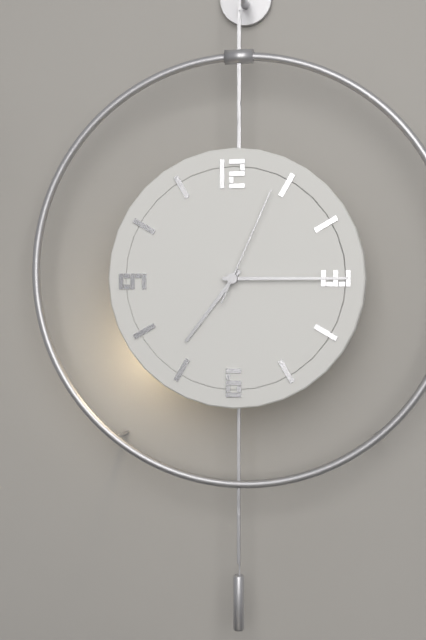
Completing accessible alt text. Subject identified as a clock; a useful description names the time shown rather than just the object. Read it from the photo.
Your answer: 7:15:04
